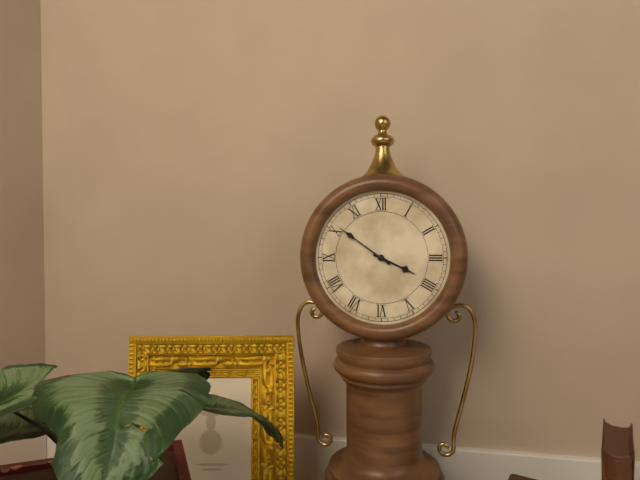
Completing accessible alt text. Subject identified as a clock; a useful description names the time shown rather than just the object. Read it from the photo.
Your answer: 3:51
